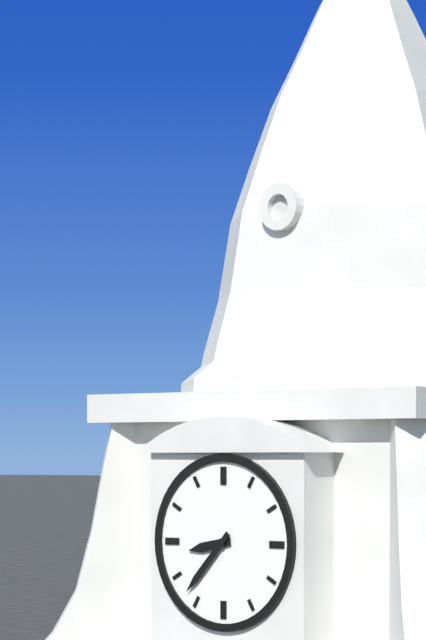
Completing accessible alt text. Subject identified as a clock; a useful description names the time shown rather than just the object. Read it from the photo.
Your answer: 8:37
